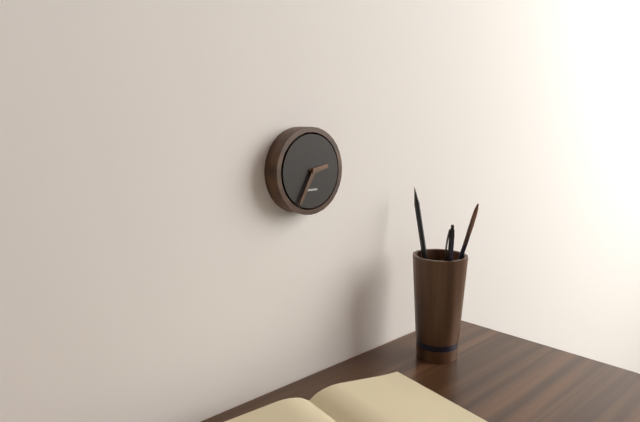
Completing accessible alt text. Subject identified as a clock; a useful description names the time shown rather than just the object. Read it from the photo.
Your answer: 2:35
